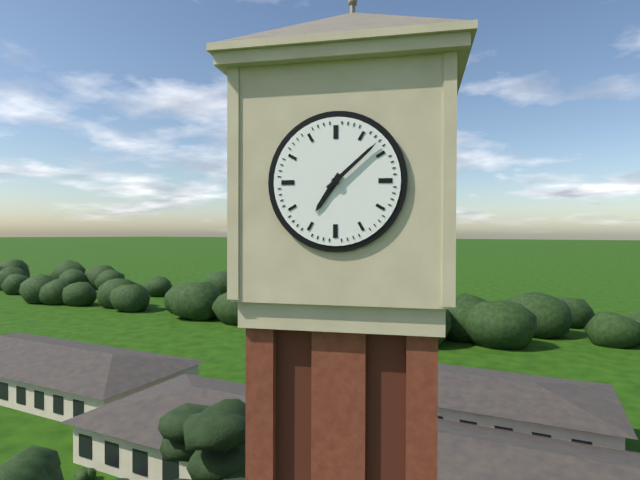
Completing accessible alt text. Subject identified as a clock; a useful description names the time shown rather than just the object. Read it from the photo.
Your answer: 7:08
